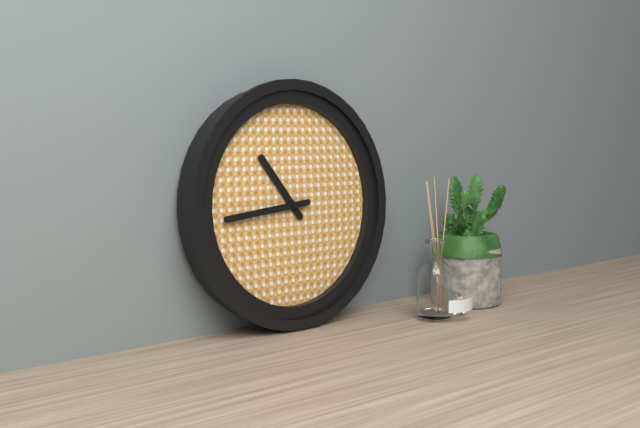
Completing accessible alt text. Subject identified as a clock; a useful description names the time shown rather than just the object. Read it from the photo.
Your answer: 10:44
